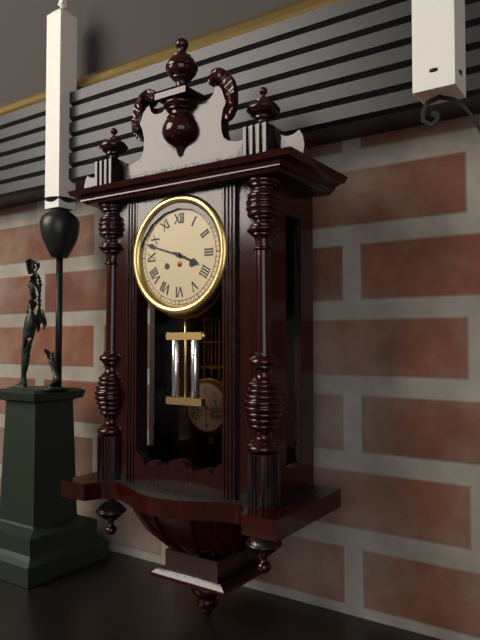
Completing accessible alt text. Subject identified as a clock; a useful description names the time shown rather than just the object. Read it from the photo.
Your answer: 3:48
